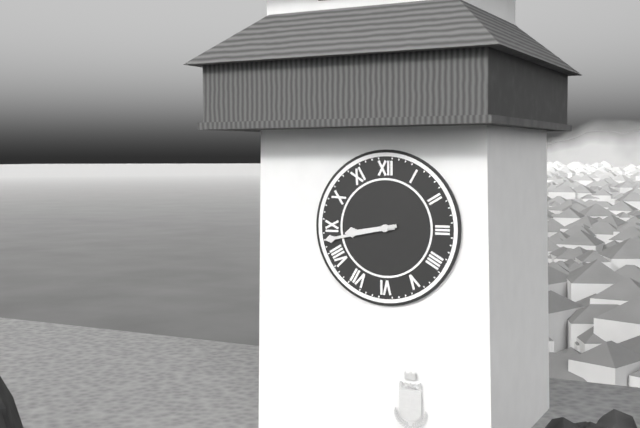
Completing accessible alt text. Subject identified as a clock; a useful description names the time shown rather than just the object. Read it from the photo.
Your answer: 8:43
